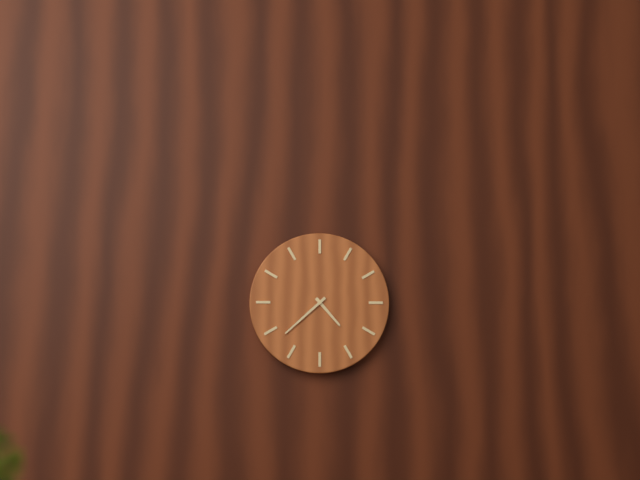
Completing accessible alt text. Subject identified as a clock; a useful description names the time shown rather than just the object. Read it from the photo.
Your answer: 4:38
